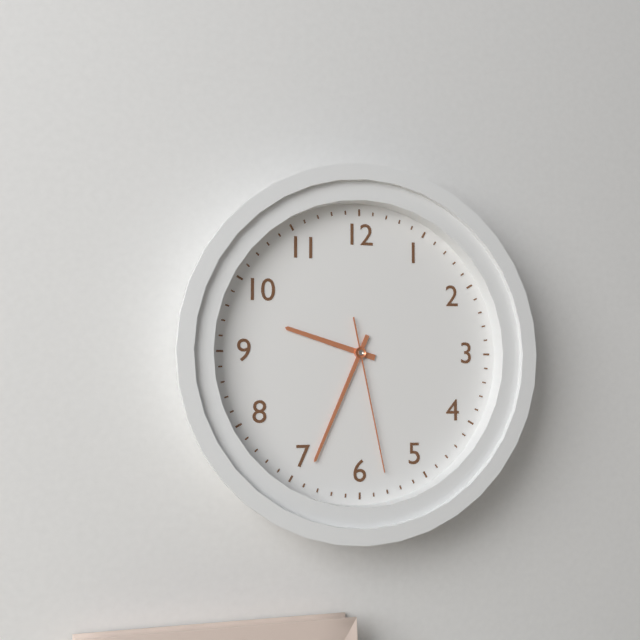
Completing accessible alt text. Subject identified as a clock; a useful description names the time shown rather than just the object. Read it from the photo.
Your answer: 9:34:28
